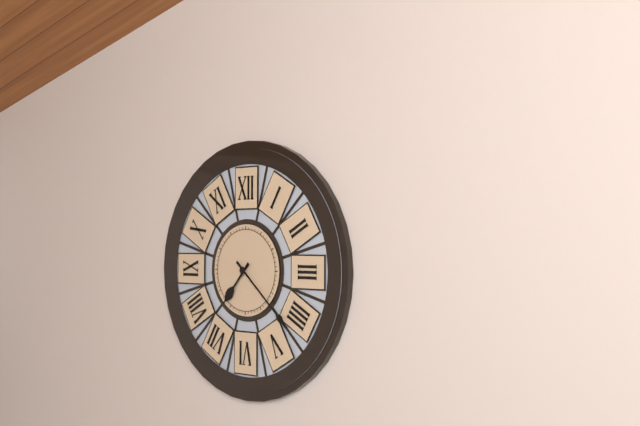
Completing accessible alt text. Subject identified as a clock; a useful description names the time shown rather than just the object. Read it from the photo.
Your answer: 7:22
